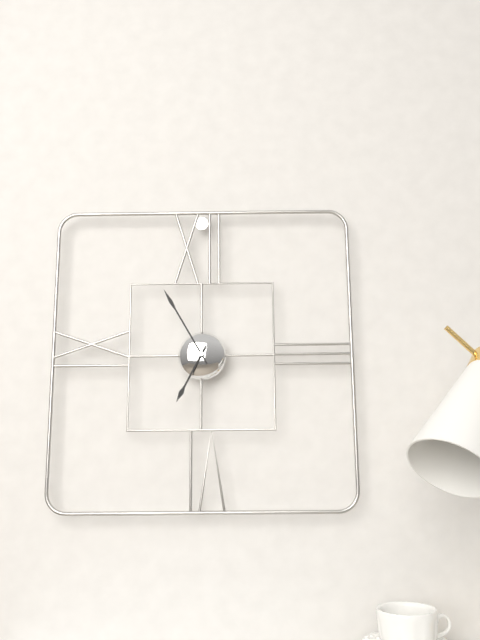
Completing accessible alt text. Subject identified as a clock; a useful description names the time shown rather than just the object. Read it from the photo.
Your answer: 6:55
